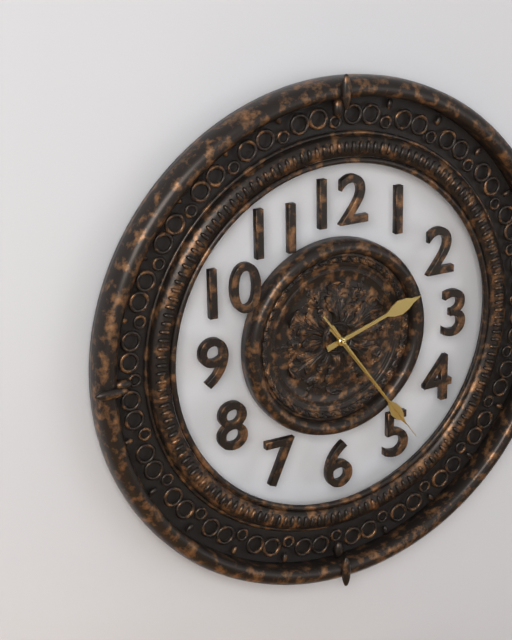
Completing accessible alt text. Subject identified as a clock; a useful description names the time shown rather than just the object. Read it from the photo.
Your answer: 2:24:24
